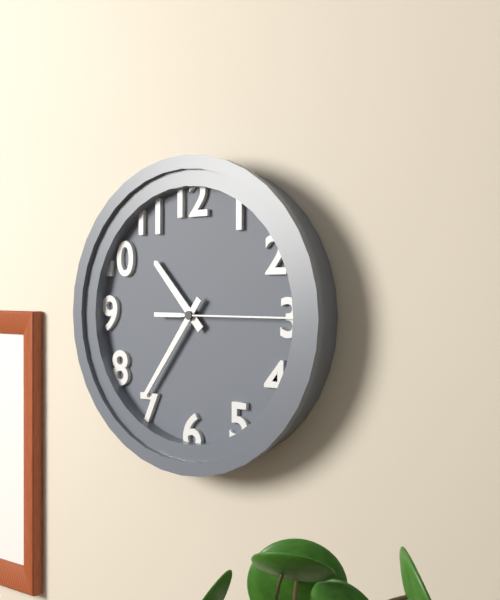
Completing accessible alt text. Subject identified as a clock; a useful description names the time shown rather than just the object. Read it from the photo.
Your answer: 10:36:15
